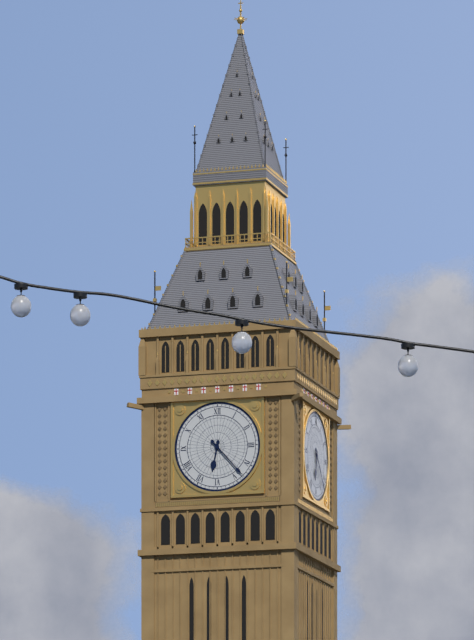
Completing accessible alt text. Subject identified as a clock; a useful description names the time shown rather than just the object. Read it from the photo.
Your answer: 6:23
